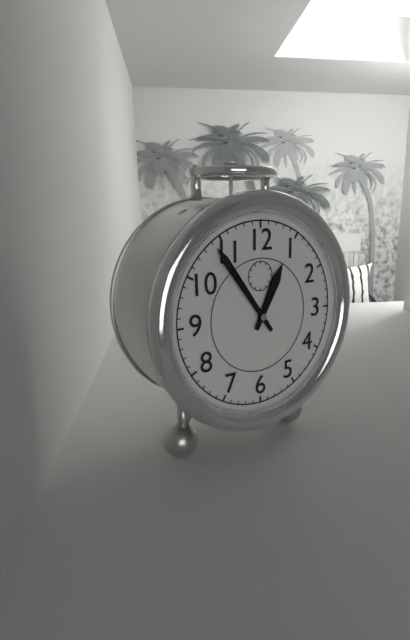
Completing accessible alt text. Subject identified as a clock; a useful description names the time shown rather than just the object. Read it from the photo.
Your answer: 12:54
